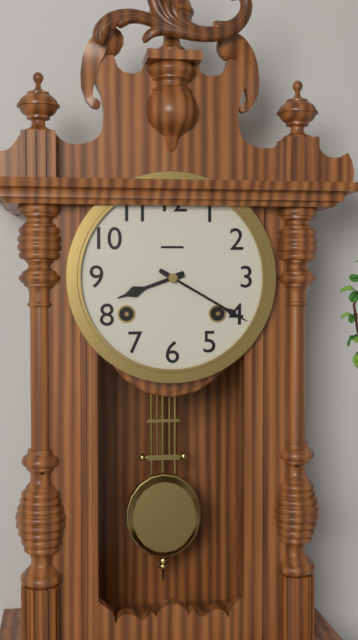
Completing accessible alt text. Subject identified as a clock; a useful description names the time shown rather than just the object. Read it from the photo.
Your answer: 8:20
